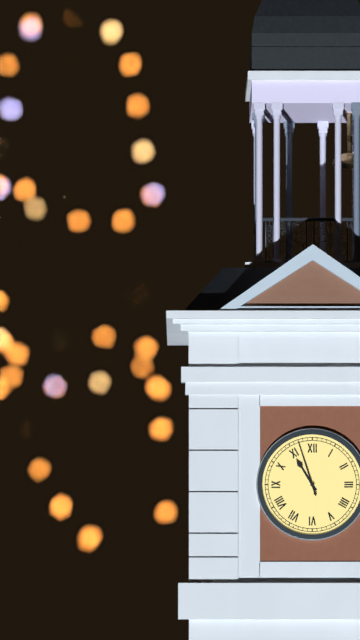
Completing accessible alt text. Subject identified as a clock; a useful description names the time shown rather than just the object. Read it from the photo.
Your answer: 10:57
